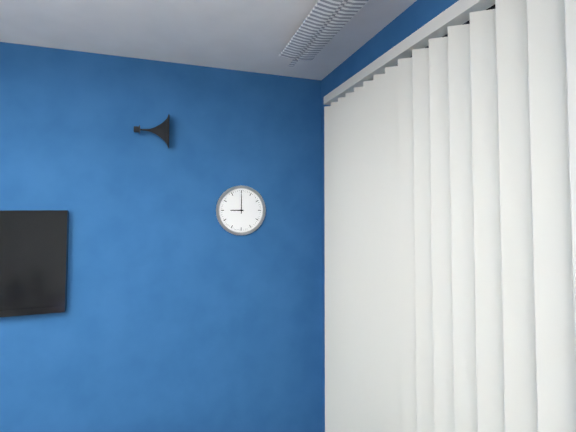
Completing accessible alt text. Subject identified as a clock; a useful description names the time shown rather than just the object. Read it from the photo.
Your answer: 9:00
